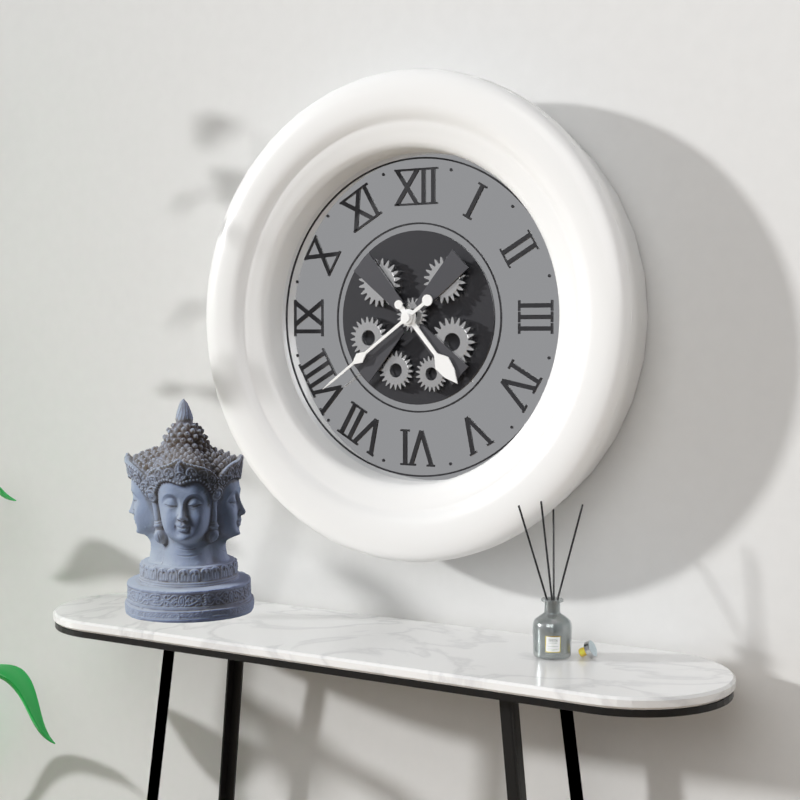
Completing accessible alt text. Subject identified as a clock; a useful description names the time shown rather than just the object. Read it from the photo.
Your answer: 4:39
